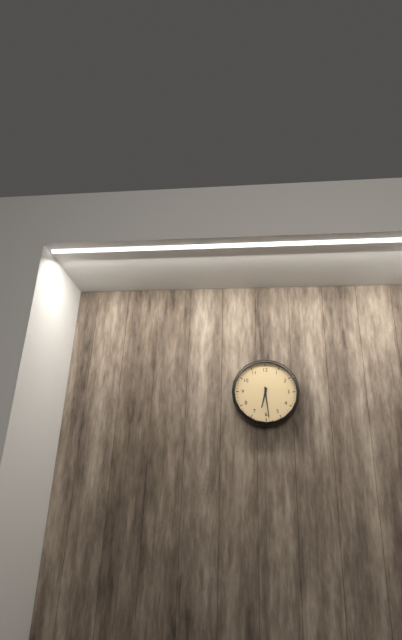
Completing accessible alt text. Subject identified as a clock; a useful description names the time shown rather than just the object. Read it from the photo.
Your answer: 6:29
